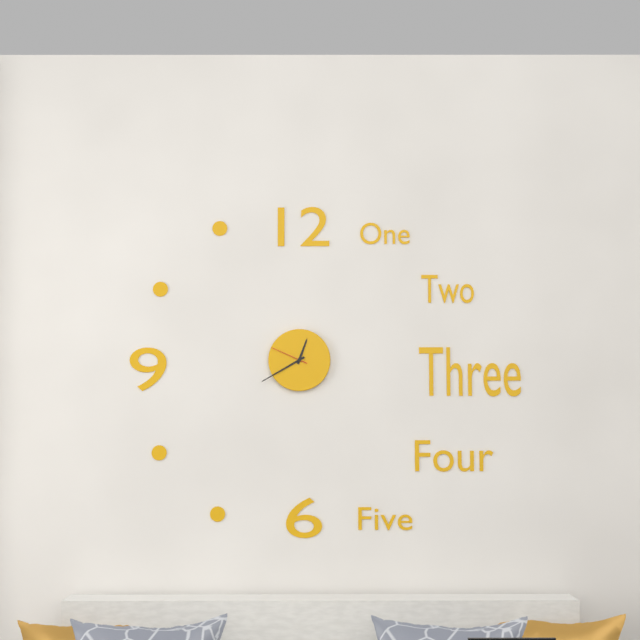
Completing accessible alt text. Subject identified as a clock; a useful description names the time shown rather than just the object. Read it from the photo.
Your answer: 12:40
